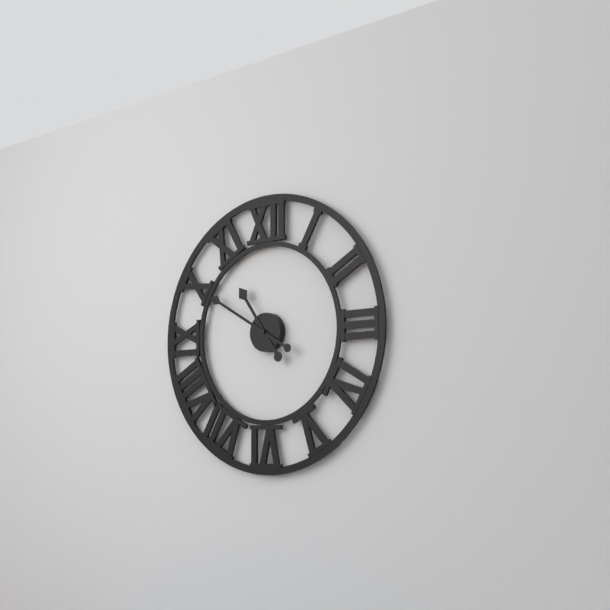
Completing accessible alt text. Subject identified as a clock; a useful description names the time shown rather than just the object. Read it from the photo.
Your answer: 10:50
